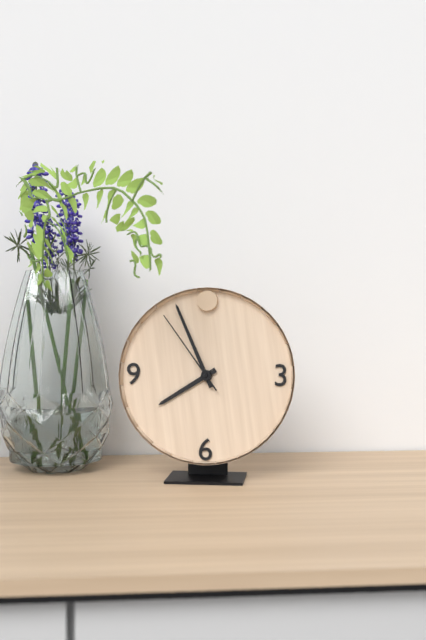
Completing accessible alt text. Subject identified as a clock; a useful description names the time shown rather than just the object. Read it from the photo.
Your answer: 7:56:54
